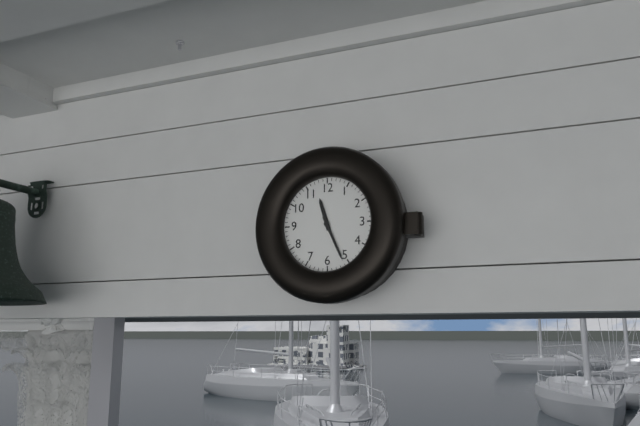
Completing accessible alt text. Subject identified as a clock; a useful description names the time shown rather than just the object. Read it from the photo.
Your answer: 11:26
